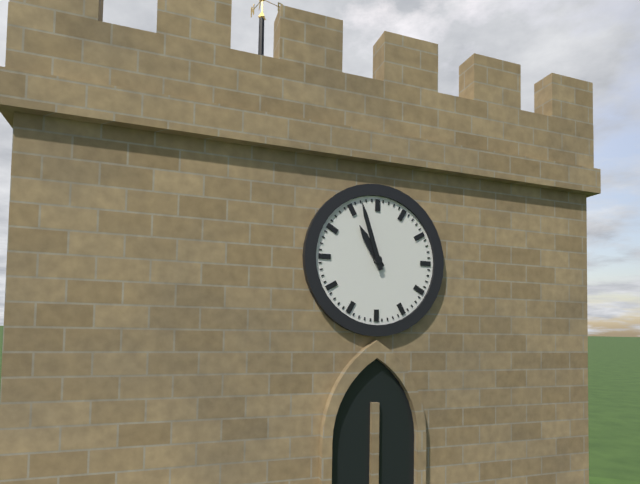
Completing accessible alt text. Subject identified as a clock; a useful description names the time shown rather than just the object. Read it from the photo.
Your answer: 10:57
